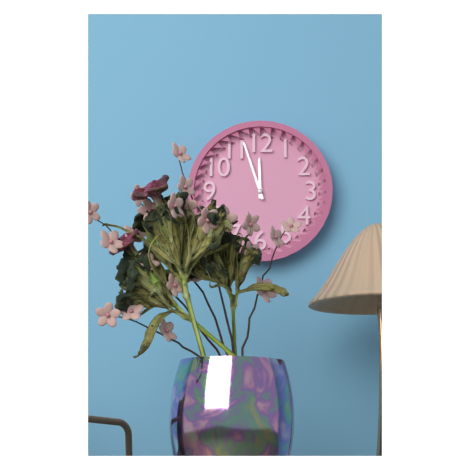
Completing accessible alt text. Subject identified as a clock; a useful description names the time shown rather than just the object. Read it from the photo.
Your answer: 11:57
